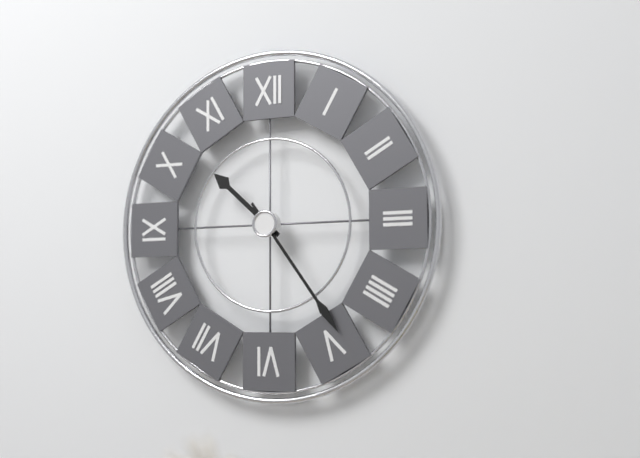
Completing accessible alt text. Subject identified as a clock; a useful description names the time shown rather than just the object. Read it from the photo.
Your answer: 10:24
